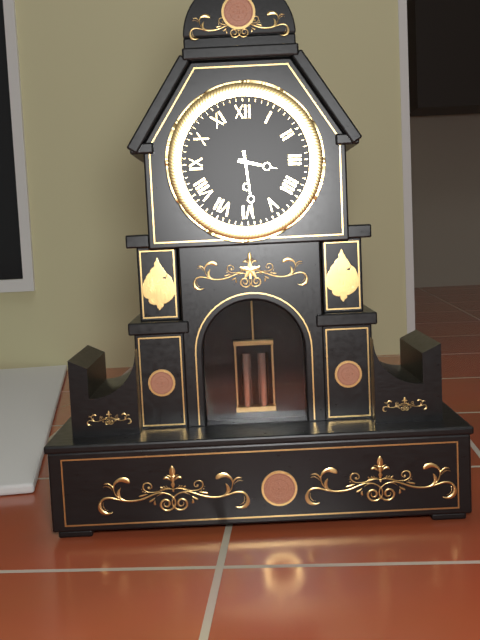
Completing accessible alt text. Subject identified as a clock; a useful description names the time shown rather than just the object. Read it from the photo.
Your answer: 3:29
